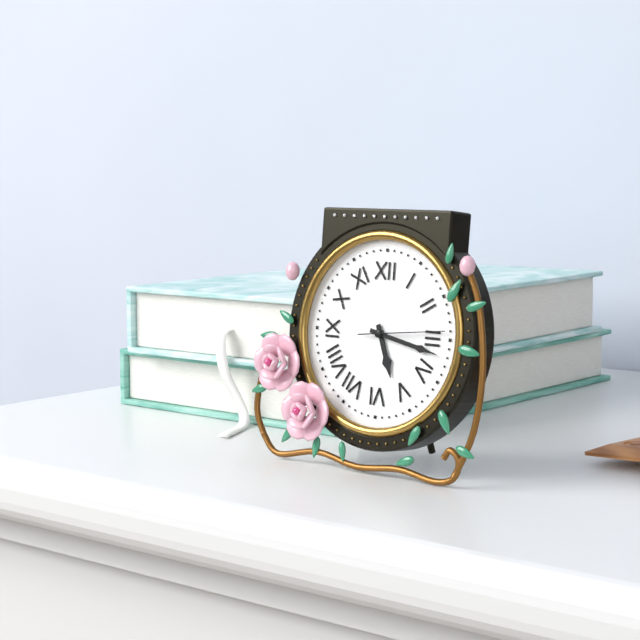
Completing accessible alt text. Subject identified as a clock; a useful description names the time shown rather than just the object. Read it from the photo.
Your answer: 5:17:14
